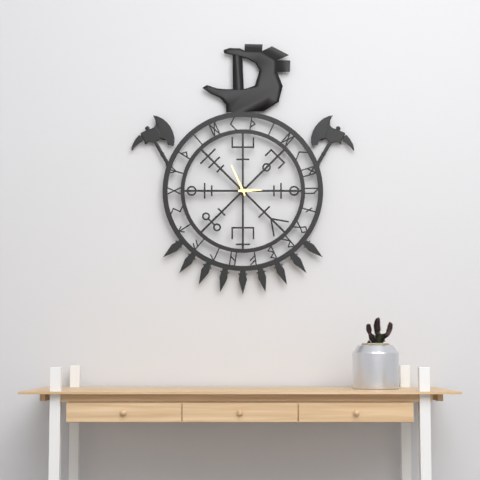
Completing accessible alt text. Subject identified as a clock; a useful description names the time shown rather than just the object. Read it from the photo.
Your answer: 2:56
